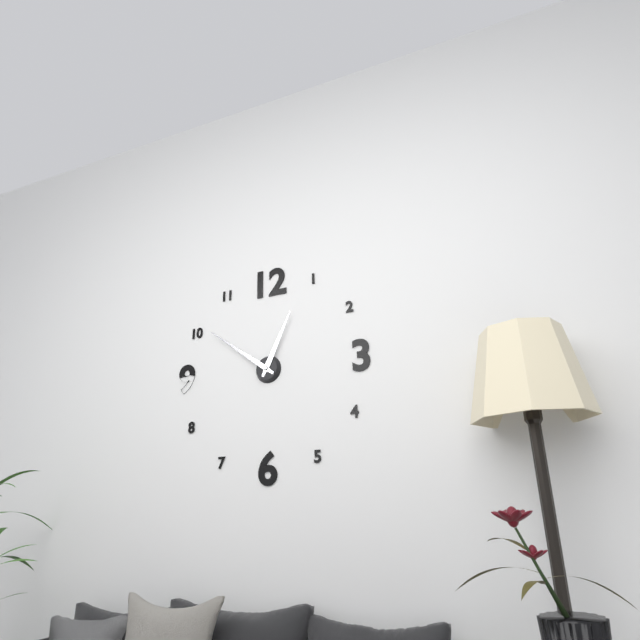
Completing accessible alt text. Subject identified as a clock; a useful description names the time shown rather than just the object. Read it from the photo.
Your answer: 12:51
